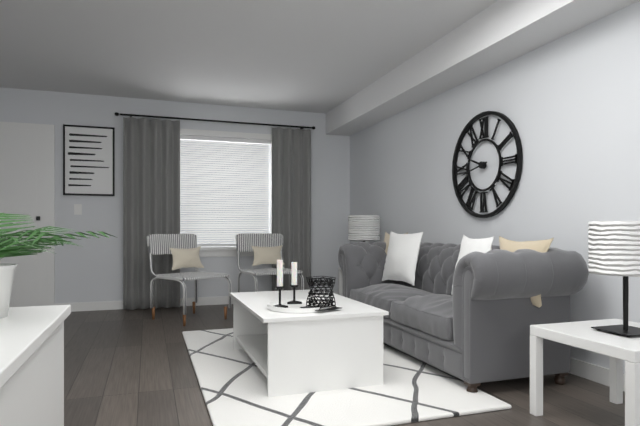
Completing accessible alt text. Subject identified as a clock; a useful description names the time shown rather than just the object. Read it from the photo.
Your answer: 9:43
